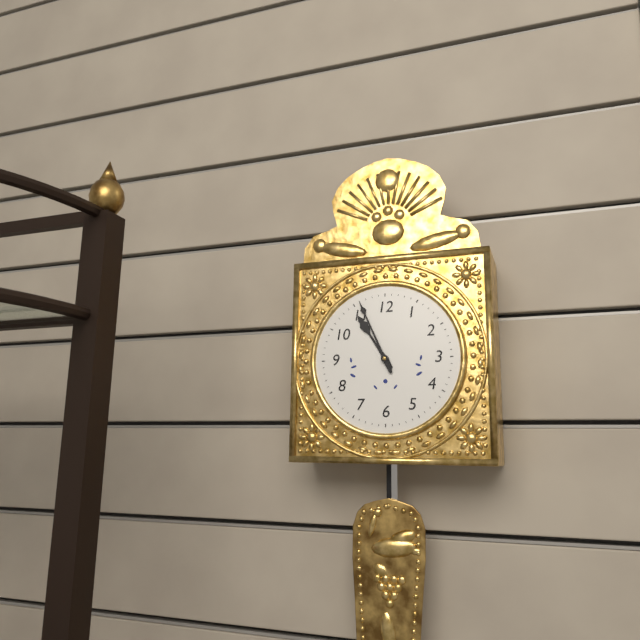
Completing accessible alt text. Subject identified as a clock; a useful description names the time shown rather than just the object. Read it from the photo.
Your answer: 10:56
